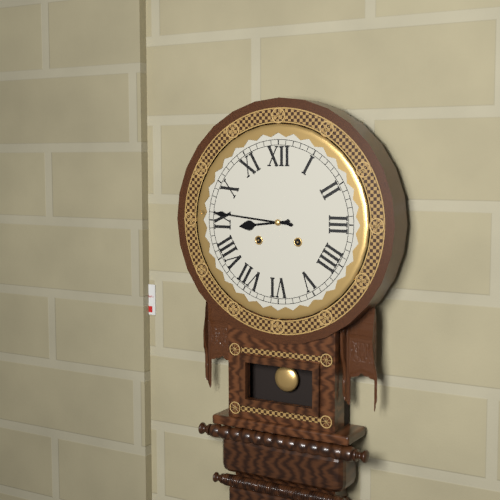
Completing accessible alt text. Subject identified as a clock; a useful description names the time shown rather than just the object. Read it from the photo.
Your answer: 8:46
